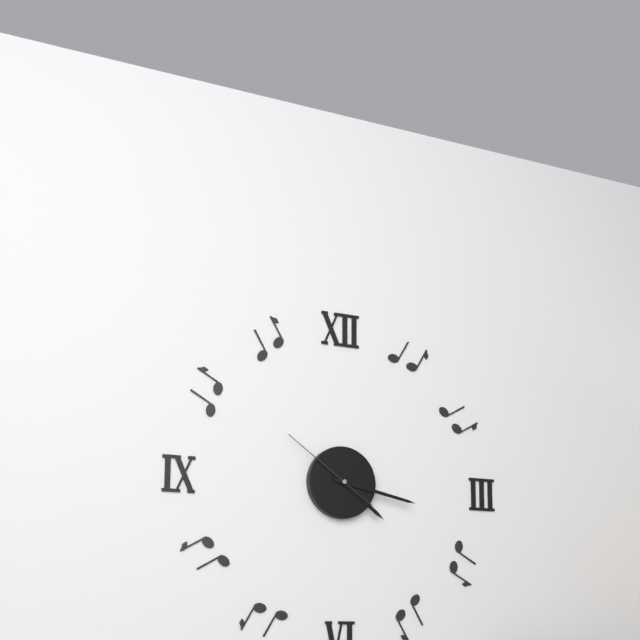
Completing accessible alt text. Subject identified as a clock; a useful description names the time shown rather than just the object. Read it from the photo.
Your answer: 4:17:51
